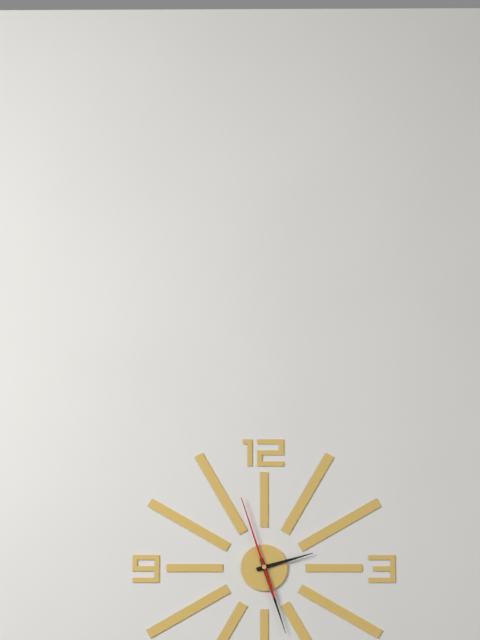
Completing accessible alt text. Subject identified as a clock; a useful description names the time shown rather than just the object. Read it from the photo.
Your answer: 2:27:57
